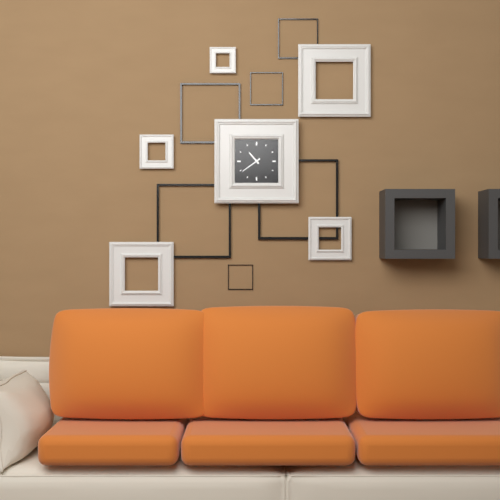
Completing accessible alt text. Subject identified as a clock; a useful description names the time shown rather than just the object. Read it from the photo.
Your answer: 10:39
